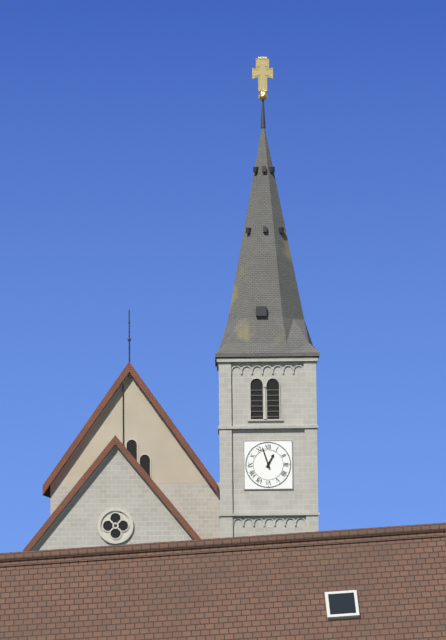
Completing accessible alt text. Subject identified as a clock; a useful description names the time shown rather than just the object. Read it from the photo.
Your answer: 12:57
